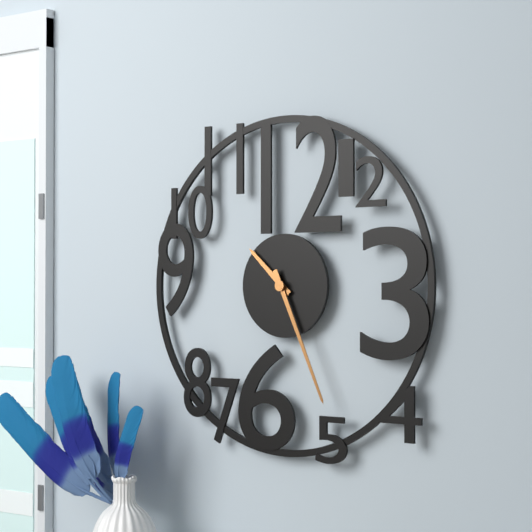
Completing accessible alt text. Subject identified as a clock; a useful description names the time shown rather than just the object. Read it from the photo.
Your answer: 10:26
